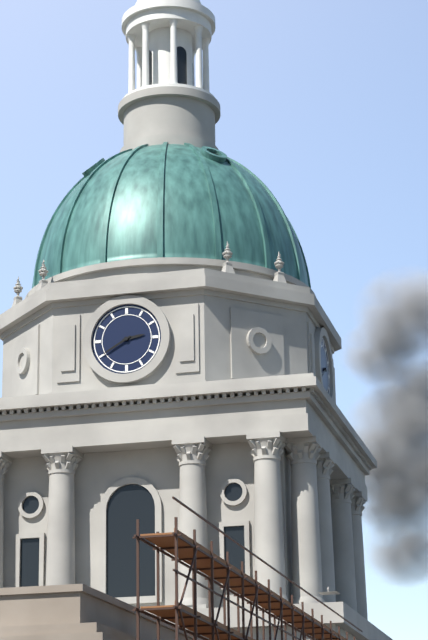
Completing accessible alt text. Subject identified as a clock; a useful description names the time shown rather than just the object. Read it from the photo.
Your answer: 2:40
